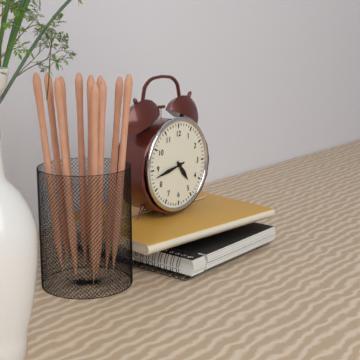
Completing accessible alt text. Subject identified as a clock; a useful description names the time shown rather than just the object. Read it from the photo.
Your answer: 4:43
